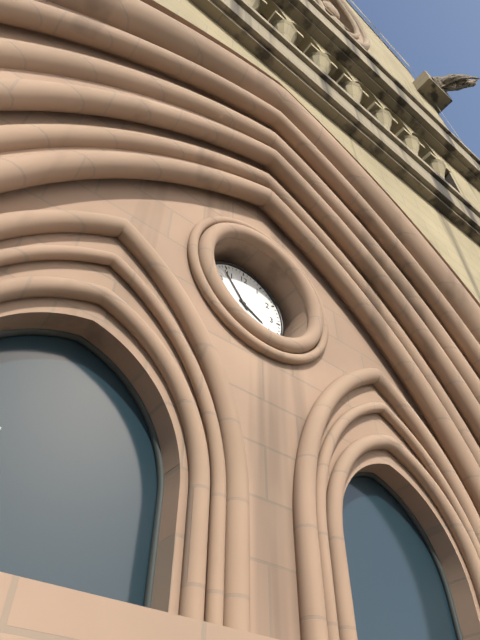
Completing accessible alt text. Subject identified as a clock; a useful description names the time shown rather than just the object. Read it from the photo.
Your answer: 3:54
